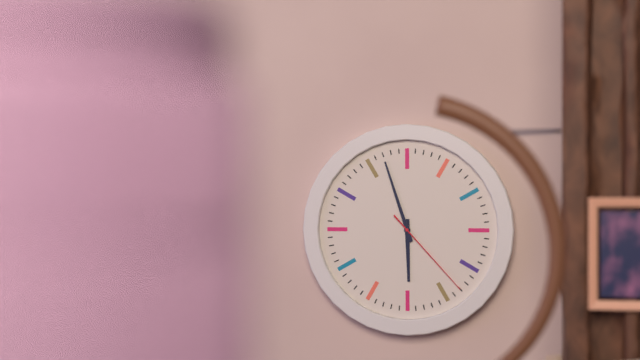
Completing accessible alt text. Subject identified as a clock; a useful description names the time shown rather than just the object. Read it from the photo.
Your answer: 5:57:23
